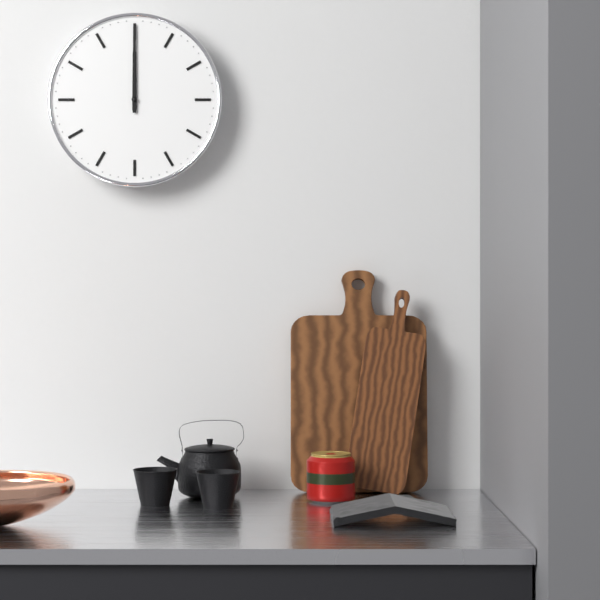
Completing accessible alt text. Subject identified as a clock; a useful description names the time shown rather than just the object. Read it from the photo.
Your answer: 12:00
